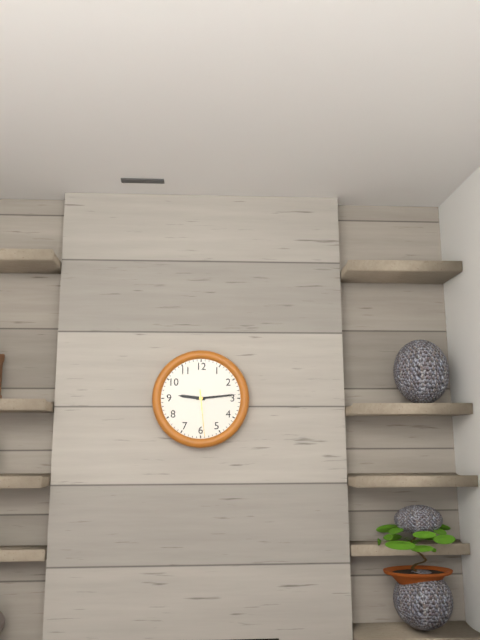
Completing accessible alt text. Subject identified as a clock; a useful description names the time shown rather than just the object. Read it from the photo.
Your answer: 9:14
